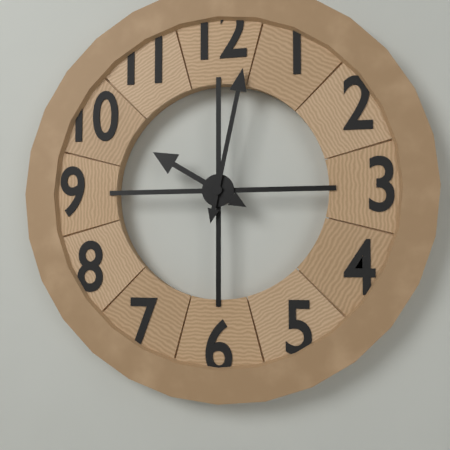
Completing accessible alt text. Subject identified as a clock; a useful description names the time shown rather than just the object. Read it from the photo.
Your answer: 10:02
